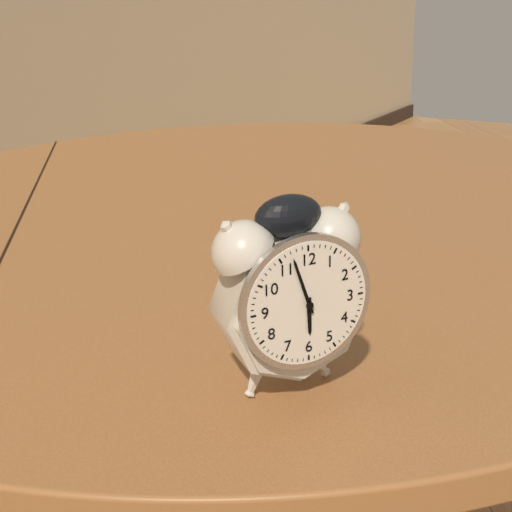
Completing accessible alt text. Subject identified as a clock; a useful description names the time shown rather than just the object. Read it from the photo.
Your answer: 5:57
